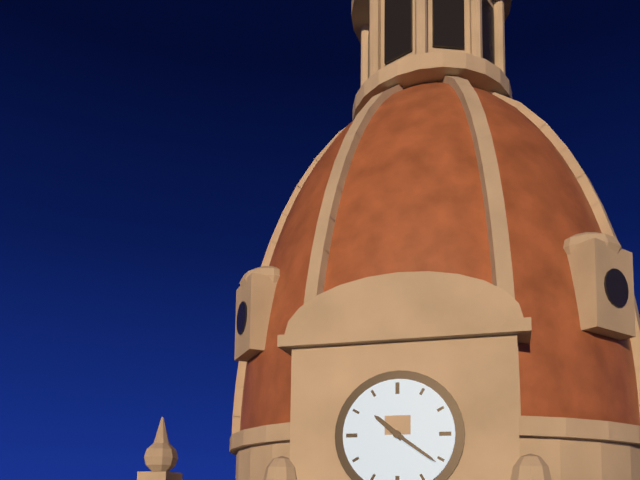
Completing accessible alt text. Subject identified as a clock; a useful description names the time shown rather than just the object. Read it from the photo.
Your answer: 10:21
